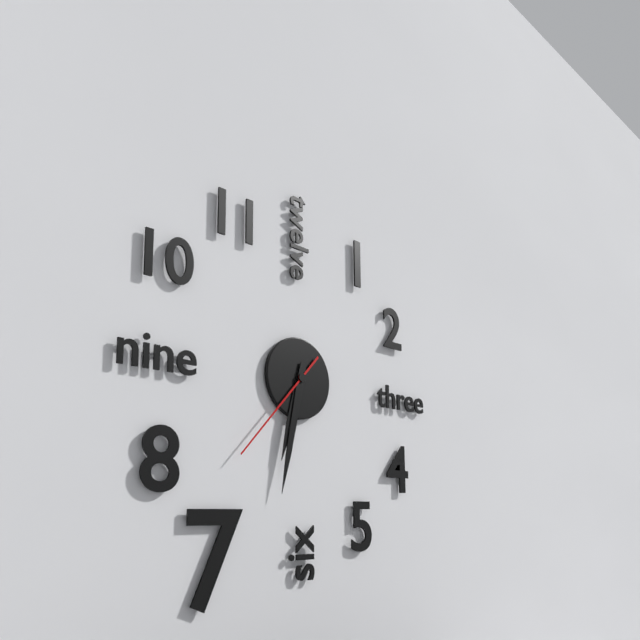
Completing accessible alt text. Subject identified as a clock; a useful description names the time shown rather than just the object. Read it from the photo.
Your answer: 6:32:37
